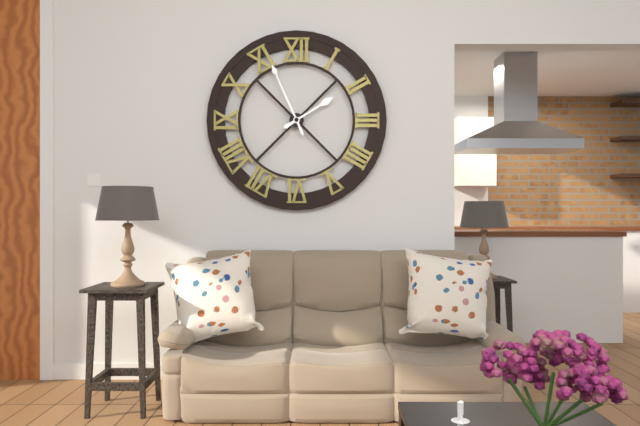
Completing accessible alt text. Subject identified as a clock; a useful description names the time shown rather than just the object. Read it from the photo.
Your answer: 1:56
